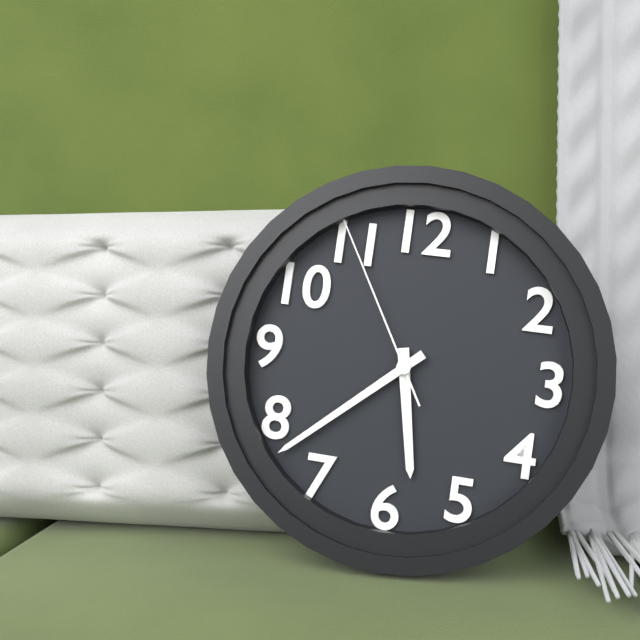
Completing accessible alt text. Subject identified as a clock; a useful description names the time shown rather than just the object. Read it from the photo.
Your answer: 5:38:55
